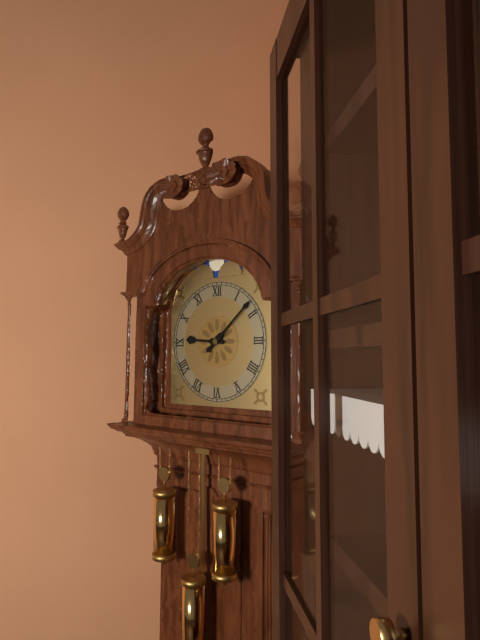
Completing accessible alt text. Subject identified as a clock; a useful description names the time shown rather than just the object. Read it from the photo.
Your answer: 9:08
